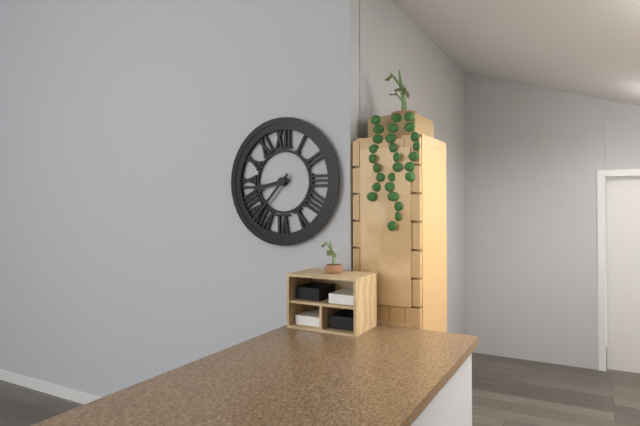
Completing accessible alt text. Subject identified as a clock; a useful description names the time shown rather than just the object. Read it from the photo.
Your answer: 8:37
